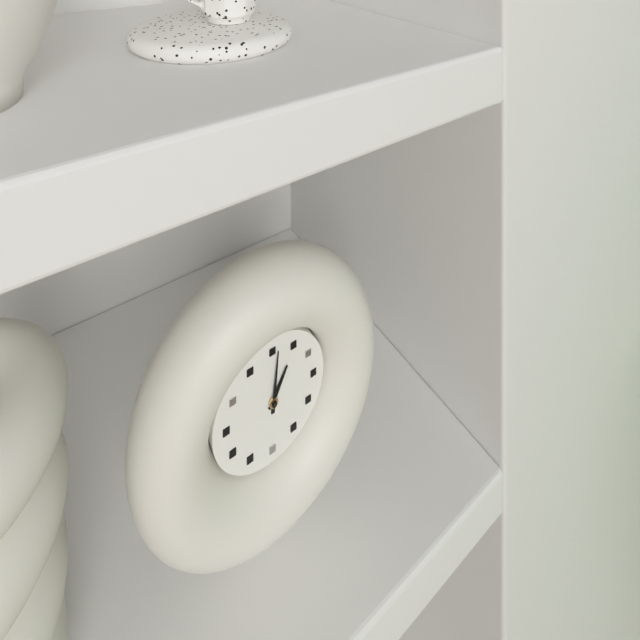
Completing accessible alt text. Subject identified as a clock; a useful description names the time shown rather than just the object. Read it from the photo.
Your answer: 1:01
